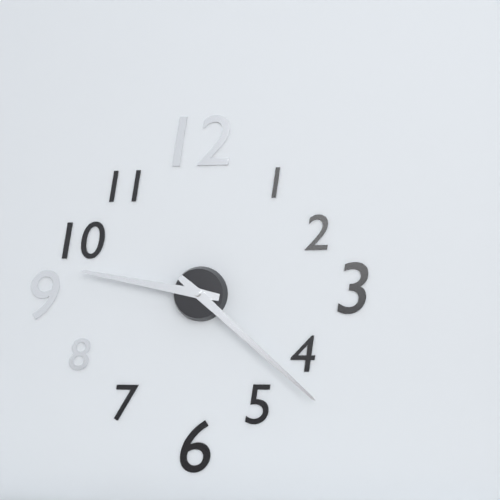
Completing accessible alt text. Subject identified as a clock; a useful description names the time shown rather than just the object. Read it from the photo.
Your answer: 9:22
